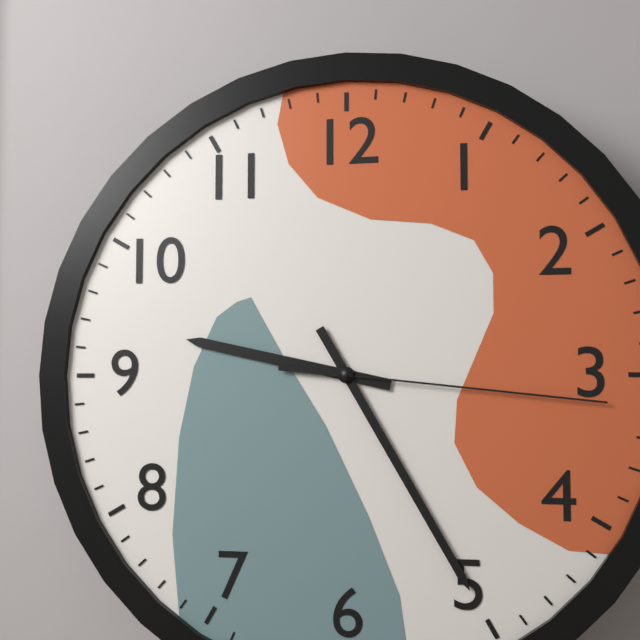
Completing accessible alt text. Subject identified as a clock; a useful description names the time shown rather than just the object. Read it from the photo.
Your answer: 9:25:16
